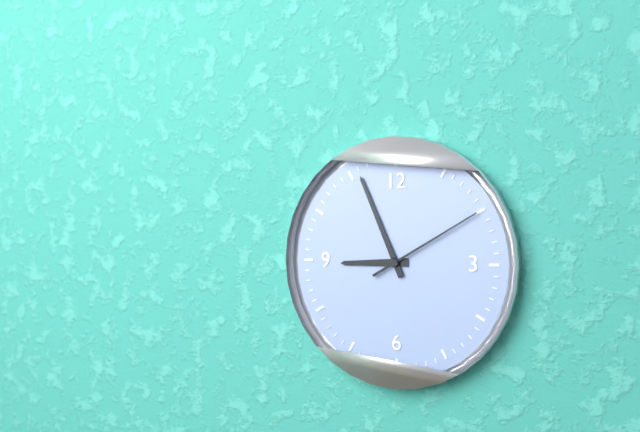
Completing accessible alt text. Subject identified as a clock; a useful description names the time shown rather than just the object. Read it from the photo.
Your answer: 8:56:10
